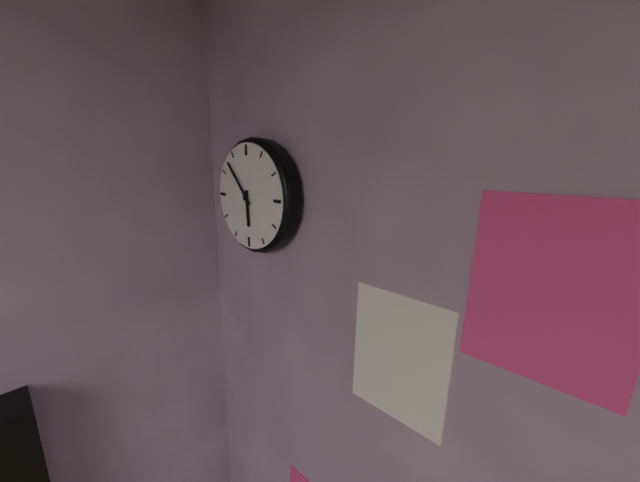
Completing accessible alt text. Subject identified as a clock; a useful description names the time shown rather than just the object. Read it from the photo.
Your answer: 5:53
